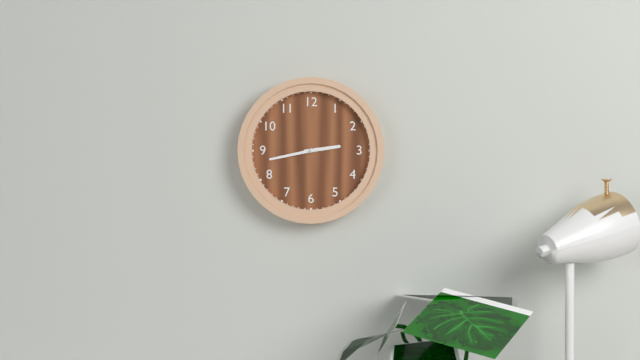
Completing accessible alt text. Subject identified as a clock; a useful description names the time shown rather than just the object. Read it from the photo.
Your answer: 2:43
